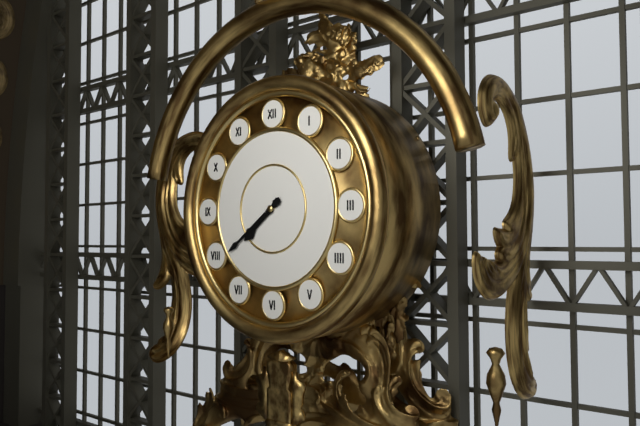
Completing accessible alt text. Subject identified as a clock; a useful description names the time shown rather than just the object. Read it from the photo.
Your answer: 7:39
